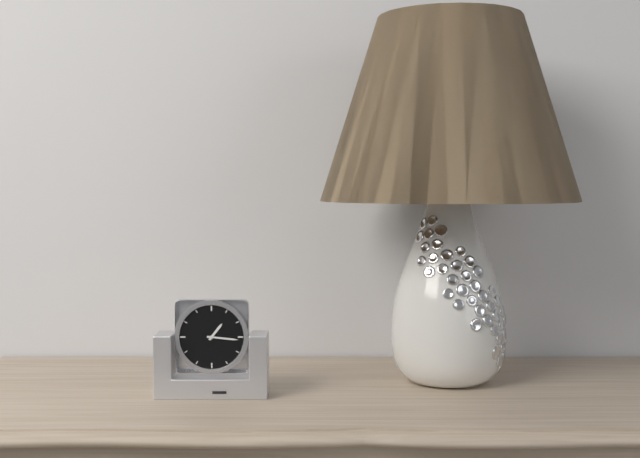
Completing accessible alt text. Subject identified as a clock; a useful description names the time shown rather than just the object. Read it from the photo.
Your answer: 1:16
